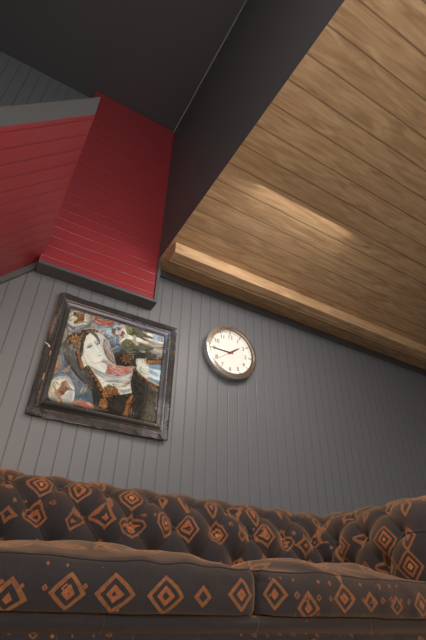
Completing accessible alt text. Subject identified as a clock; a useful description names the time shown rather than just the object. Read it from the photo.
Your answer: 1:45
